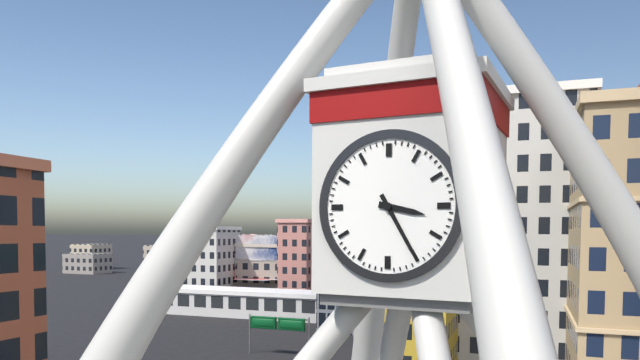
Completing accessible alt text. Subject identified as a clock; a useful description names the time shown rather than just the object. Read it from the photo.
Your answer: 3:25
